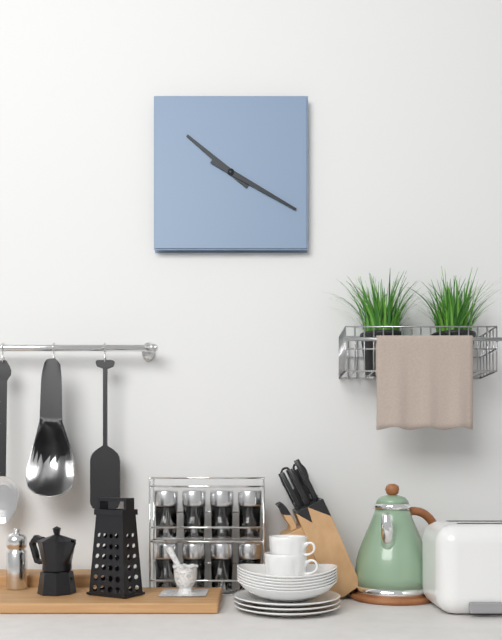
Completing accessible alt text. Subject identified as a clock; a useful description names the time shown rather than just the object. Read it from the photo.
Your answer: 10:20
